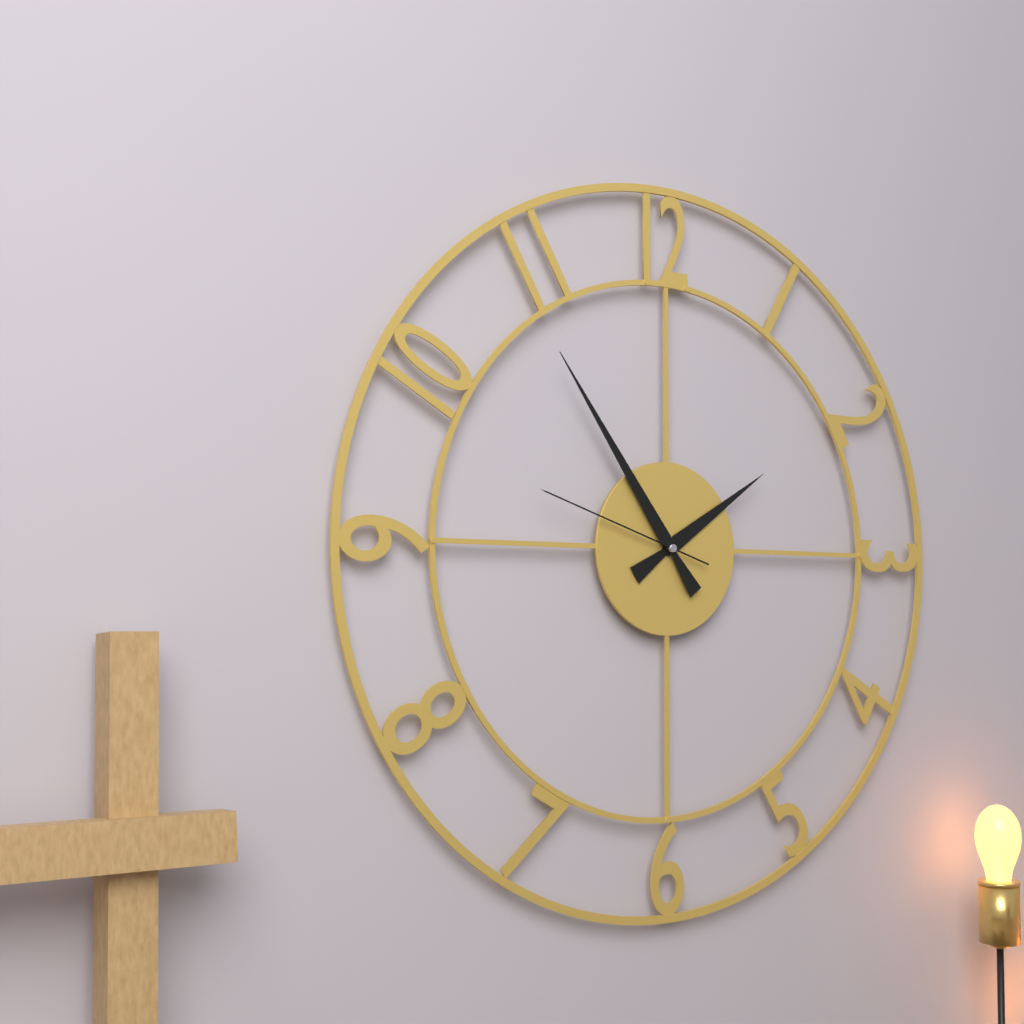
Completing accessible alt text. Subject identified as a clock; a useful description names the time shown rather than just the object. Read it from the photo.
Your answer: 1:54:48
